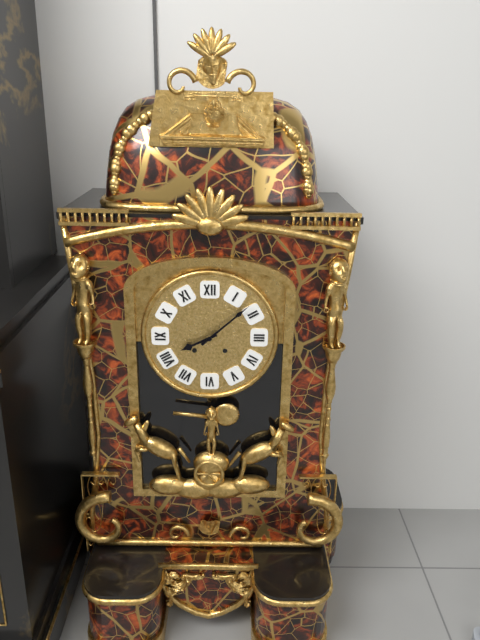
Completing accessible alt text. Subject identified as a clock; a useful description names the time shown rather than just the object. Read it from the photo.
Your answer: 8:08
